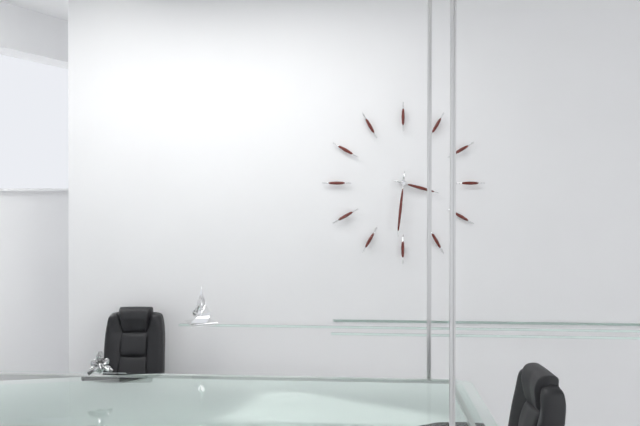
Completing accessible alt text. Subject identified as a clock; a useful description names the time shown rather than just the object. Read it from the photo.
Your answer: 3:31
